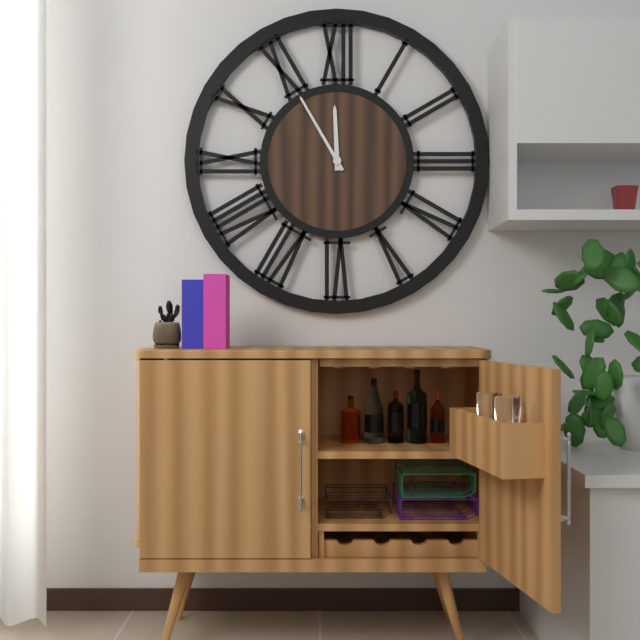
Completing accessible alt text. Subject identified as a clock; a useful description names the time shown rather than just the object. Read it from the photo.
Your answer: 11:55
